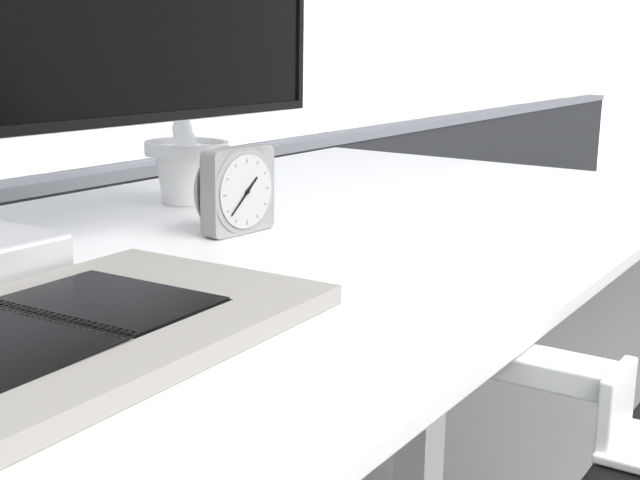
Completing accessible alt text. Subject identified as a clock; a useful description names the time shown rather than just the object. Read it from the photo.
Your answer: 1:38
